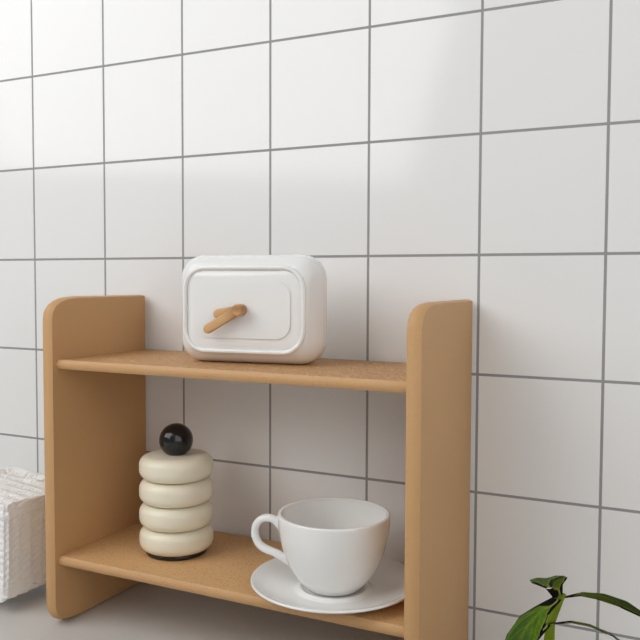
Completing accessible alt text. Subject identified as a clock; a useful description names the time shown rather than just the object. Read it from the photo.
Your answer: 8:40
